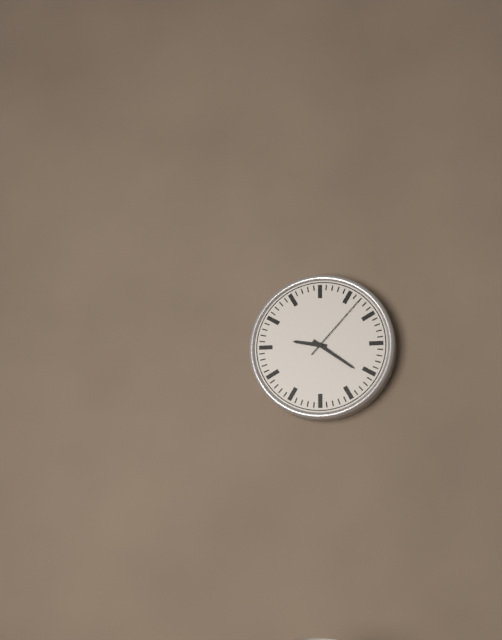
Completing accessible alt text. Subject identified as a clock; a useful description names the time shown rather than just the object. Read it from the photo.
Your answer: 9:21:07
